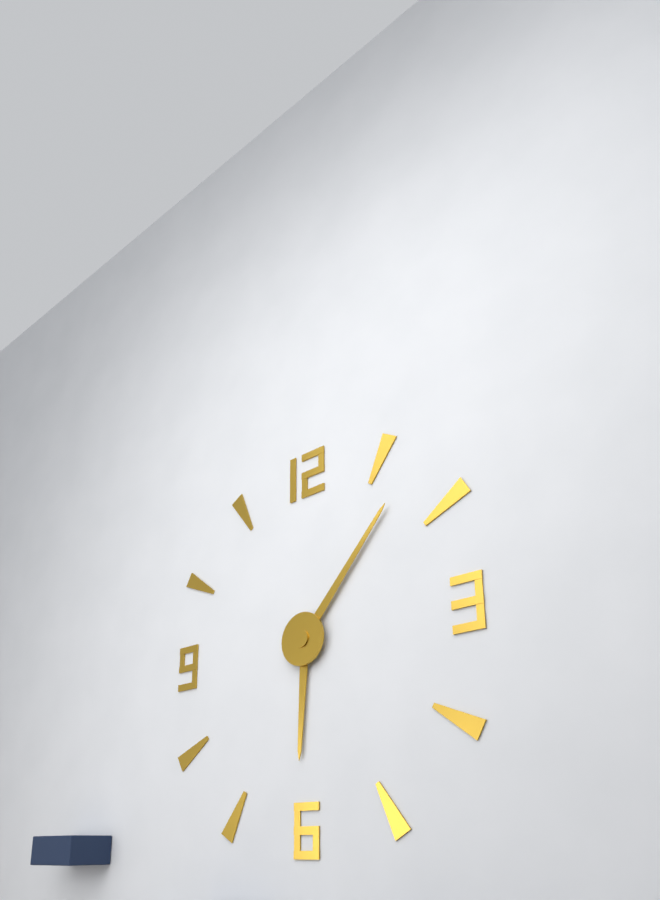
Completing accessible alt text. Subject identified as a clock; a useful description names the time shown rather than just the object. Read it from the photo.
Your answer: 6:07
